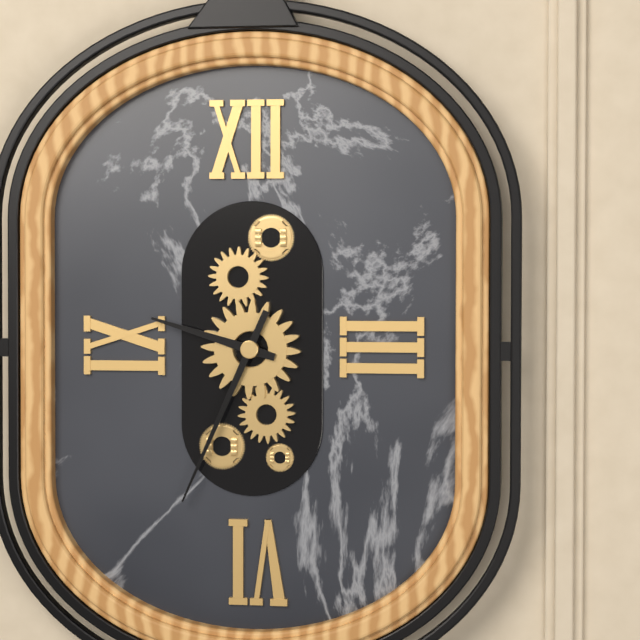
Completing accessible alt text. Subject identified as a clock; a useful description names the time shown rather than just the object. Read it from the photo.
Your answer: 9:34
